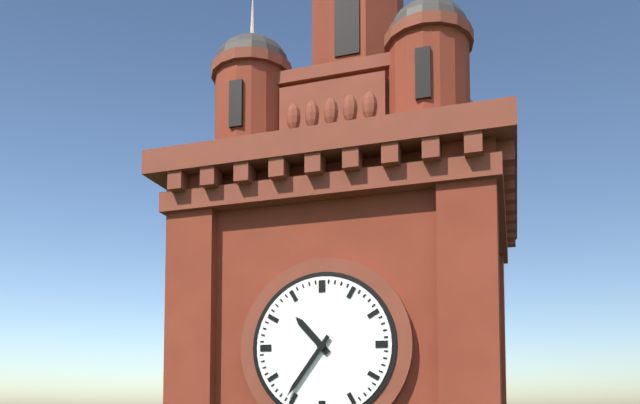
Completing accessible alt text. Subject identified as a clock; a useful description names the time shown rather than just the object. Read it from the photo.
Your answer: 10:36
